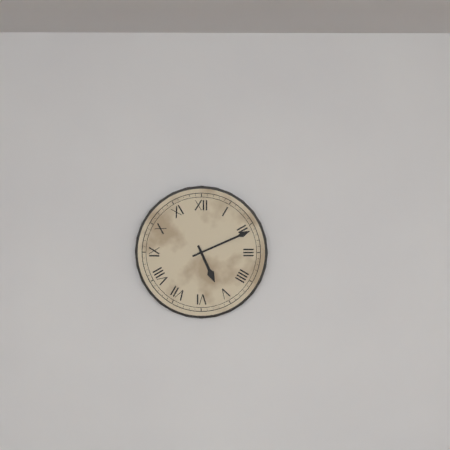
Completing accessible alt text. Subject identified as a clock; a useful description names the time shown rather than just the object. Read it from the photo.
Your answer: 5:11
